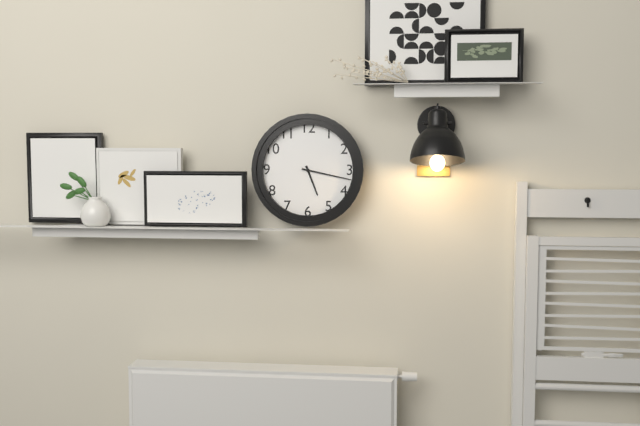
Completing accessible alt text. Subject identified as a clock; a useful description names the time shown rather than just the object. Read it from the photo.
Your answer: 5:17
